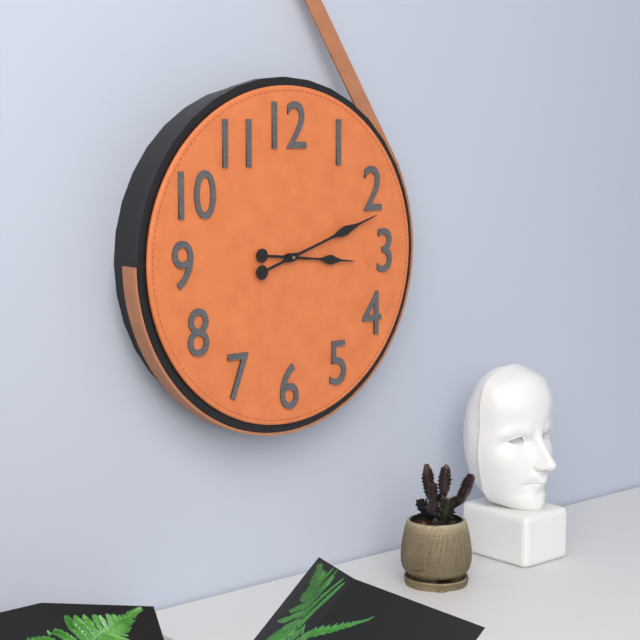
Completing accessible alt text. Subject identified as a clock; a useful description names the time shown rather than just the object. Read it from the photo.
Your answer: 3:12
